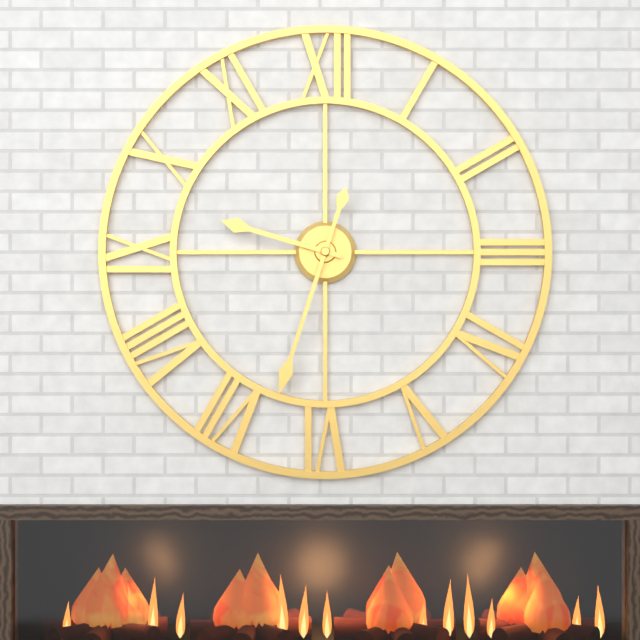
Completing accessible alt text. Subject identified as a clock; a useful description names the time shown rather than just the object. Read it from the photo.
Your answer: 9:33
